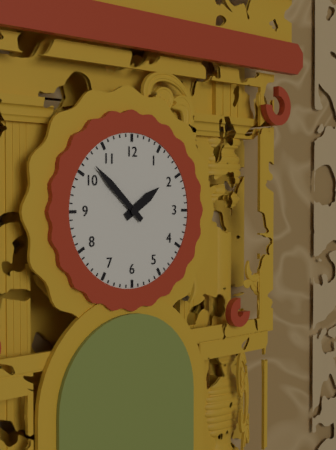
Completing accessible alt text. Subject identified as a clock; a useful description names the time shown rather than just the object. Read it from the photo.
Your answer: 1:52
